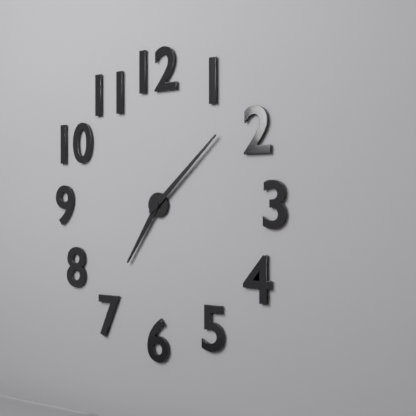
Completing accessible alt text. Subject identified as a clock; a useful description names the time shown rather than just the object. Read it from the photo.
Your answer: 7:08
